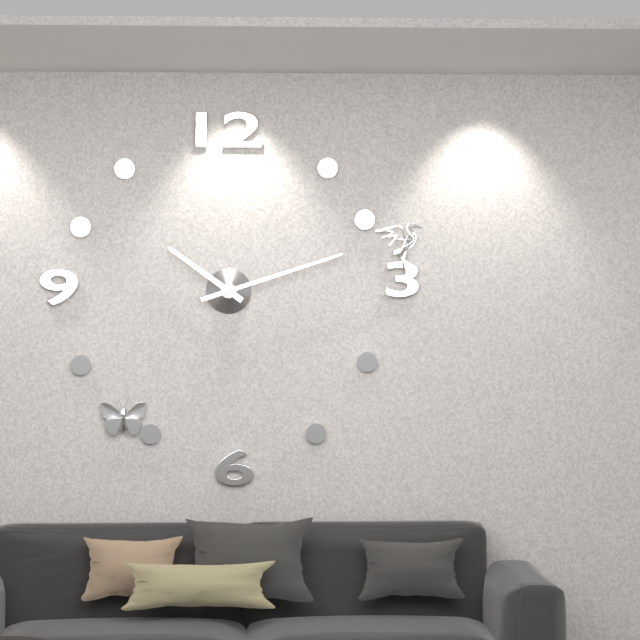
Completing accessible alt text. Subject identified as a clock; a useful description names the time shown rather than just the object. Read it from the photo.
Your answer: 10:12
